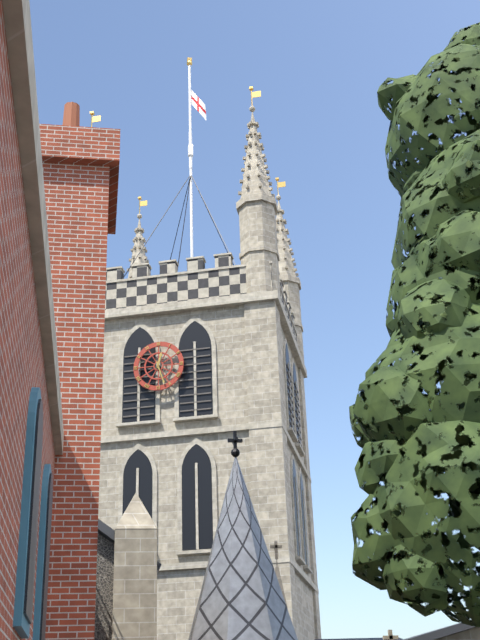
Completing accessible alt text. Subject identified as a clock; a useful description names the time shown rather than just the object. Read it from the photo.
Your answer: 12:27
